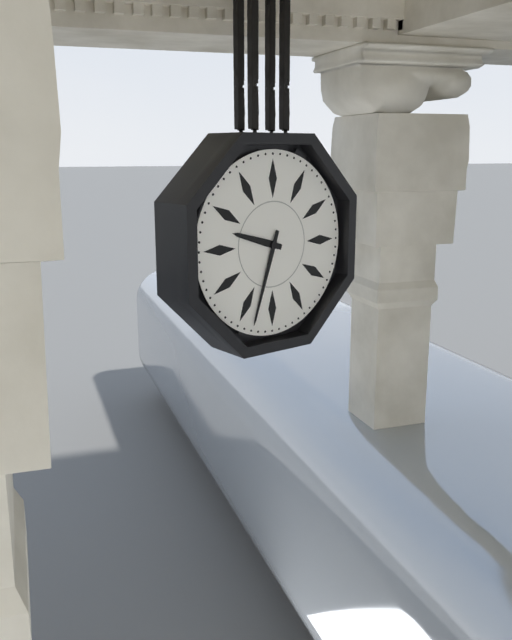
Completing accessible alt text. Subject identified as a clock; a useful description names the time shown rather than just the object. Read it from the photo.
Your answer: 9:33
